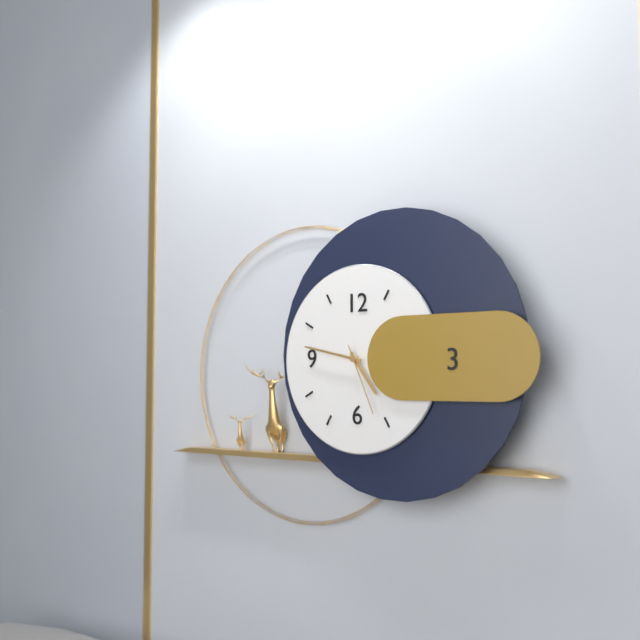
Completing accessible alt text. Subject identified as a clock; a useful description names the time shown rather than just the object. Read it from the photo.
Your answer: 4:47:26
